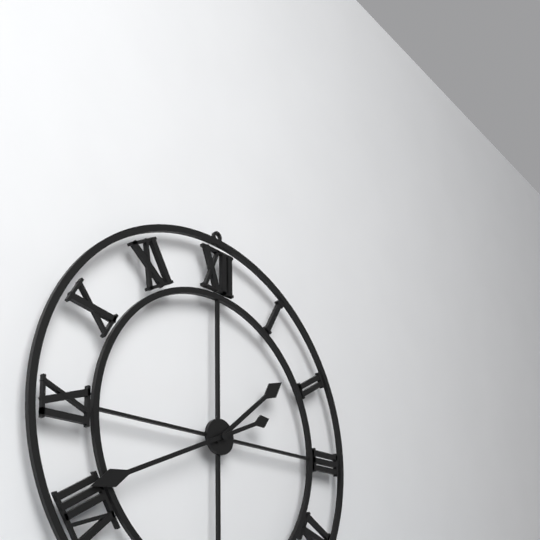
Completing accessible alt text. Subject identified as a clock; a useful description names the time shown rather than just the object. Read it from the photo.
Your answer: 1:41
